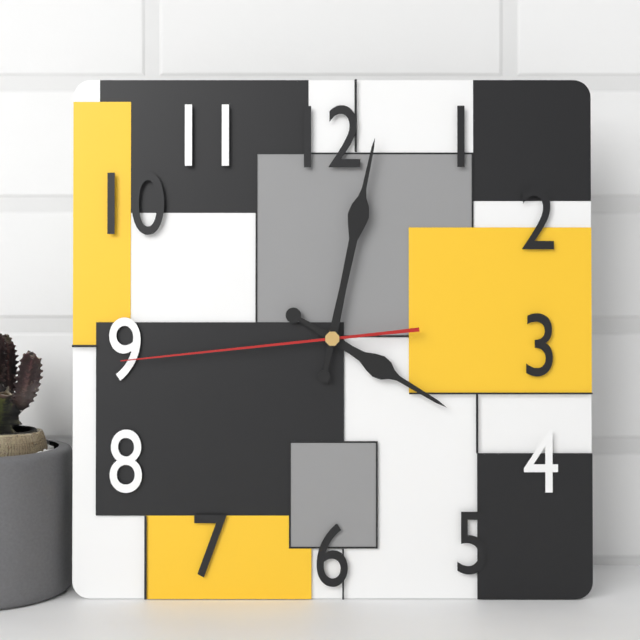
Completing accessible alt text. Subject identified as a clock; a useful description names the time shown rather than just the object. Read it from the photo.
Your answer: 4:02:44
